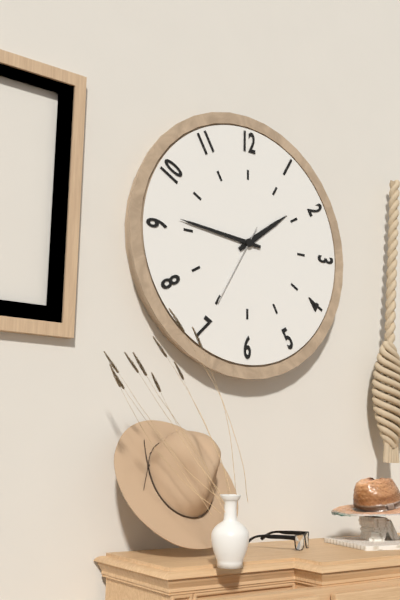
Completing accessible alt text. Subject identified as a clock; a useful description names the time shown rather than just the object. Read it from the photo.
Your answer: 1:46:35
